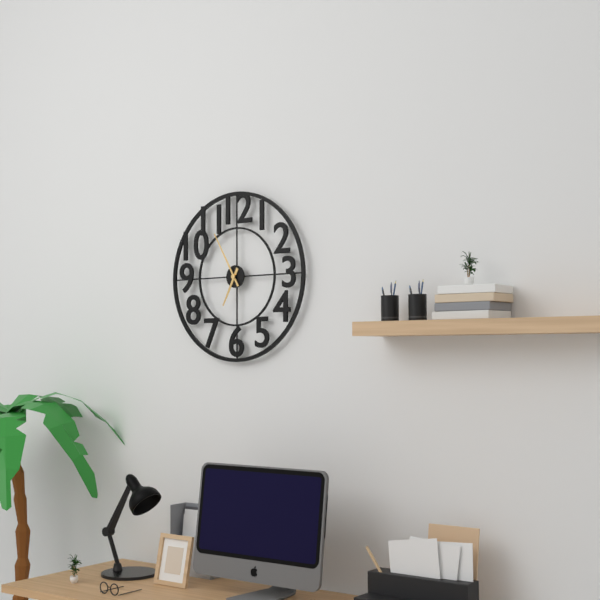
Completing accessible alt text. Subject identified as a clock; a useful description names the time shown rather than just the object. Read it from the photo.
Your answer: 6:55
